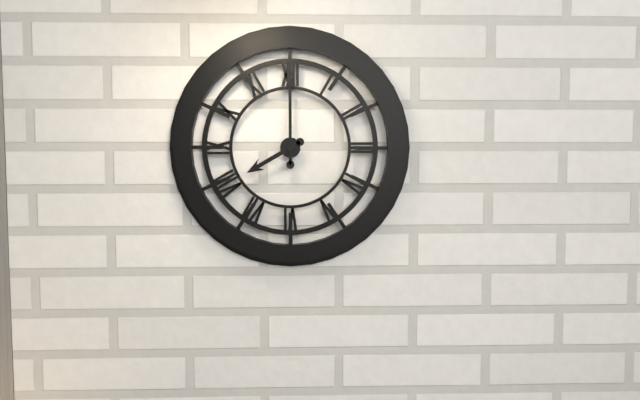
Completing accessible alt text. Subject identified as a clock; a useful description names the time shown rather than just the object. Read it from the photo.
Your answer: 8:00
